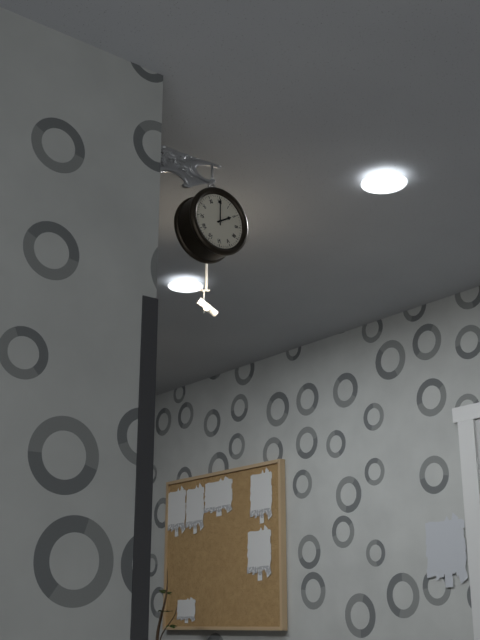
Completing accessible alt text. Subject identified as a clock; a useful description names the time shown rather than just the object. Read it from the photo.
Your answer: 2:00
